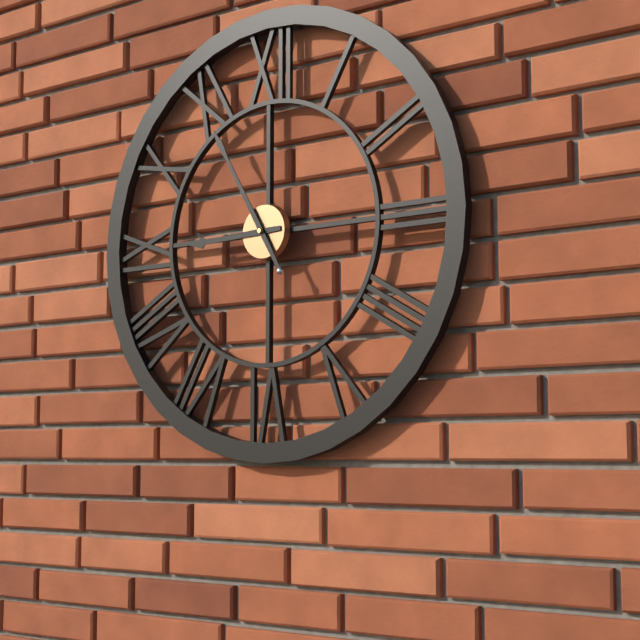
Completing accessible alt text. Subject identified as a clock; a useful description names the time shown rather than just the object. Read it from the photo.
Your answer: 8:55
